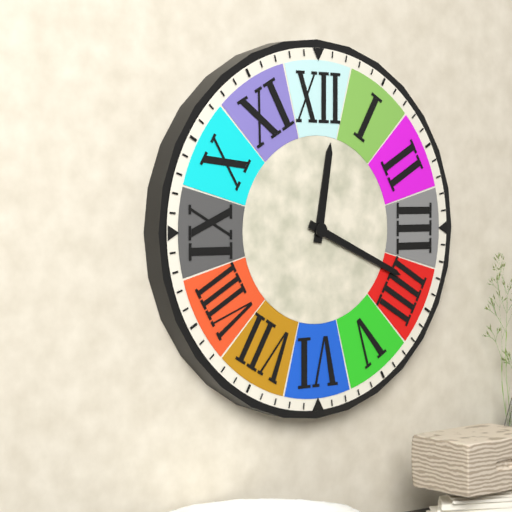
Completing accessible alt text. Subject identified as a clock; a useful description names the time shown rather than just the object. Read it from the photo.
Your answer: 12:19
